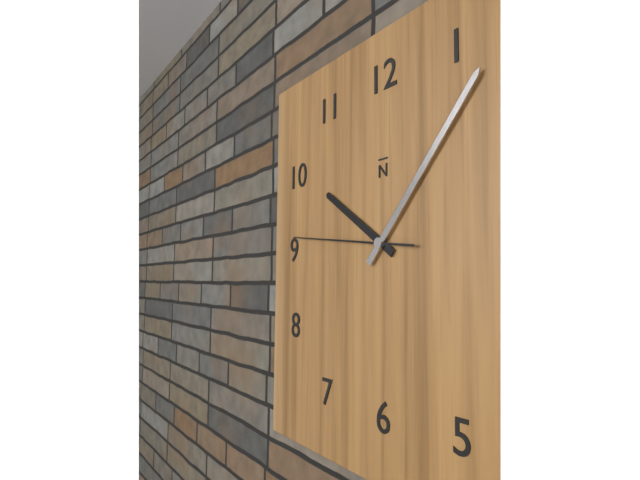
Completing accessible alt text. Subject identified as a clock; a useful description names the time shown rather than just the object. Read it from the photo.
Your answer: 10:07:46
